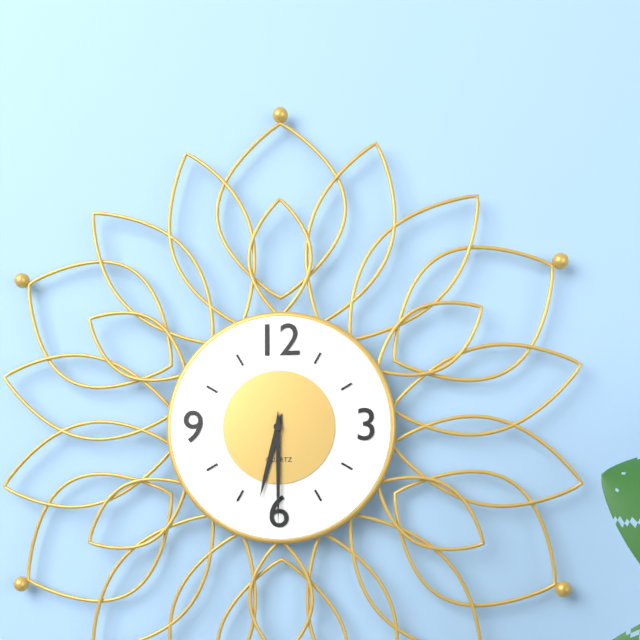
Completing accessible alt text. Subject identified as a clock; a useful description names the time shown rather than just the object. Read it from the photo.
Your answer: 6:30
